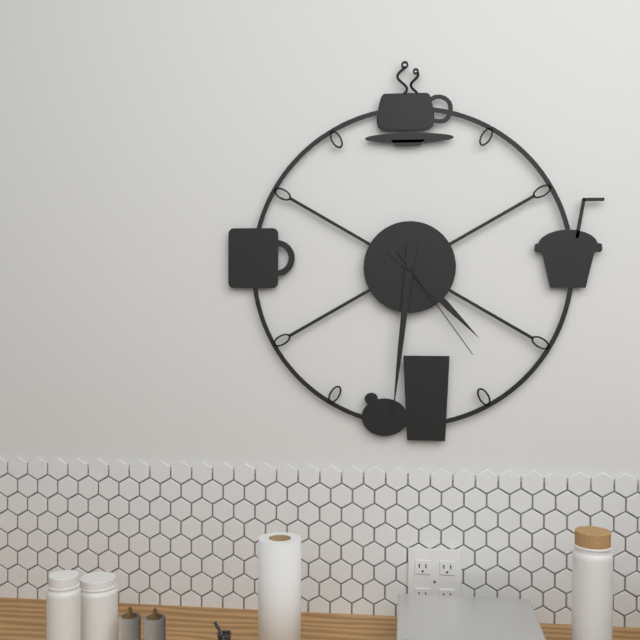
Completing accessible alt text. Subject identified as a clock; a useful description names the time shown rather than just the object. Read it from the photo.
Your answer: 4:31:24
